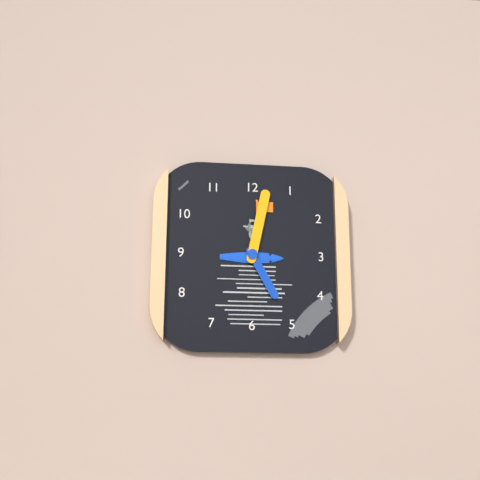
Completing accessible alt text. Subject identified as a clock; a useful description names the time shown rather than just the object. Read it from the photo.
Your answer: 5:02
